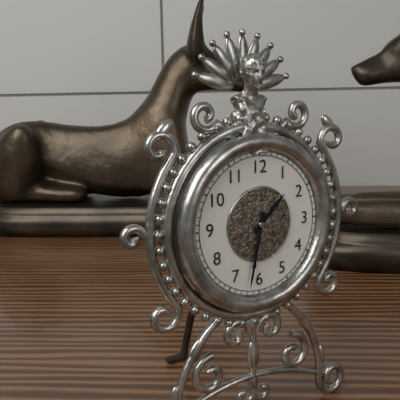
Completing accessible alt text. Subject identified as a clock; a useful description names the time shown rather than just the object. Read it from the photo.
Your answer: 1:32
